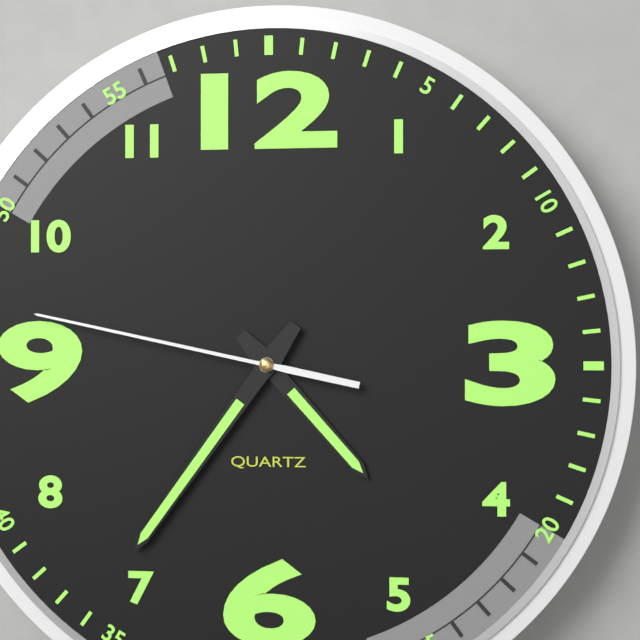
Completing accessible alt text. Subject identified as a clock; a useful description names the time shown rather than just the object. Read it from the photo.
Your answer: 4:36:47
